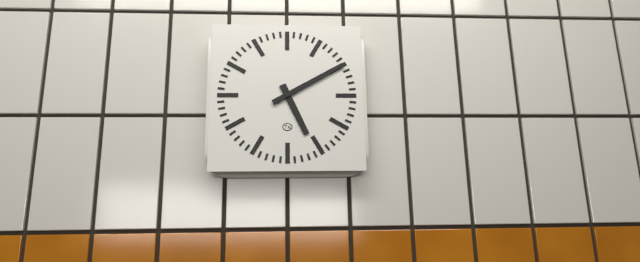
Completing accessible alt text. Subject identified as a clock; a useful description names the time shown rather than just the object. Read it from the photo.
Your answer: 5:10
